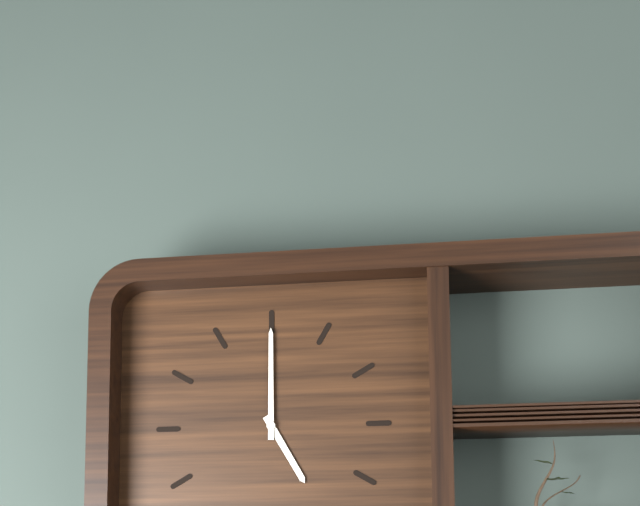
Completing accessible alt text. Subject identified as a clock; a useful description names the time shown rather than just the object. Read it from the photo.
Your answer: 5:00
